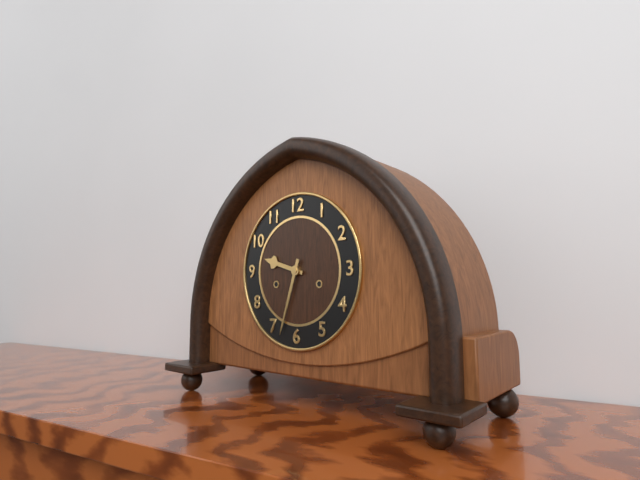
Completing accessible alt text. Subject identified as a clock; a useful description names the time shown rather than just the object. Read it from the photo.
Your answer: 9:33
